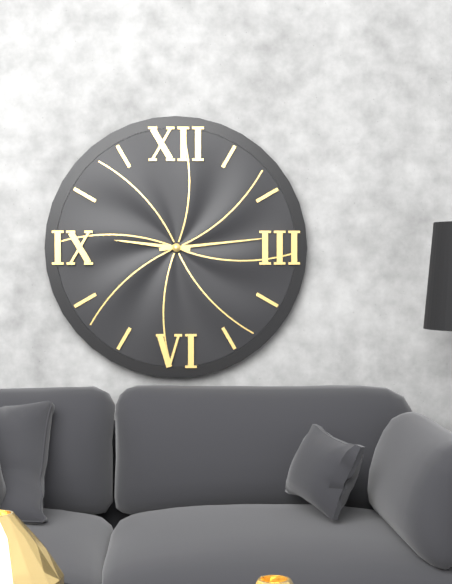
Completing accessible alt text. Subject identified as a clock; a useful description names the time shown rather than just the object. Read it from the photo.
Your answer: 9:14
